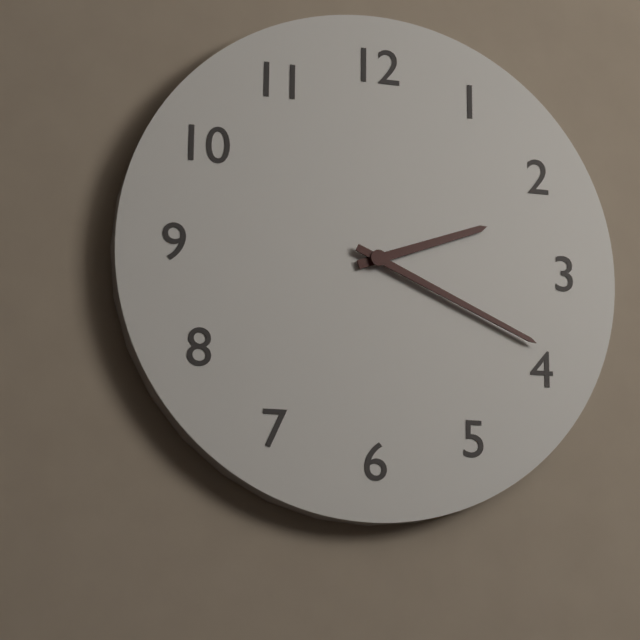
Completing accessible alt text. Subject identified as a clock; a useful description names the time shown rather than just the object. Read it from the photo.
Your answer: 2:19
